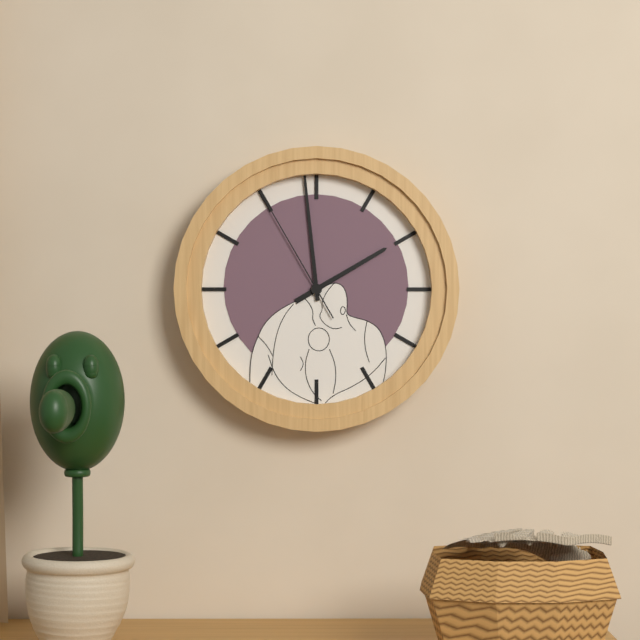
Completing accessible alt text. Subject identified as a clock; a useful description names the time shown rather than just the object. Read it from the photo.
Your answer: 1:59:55
